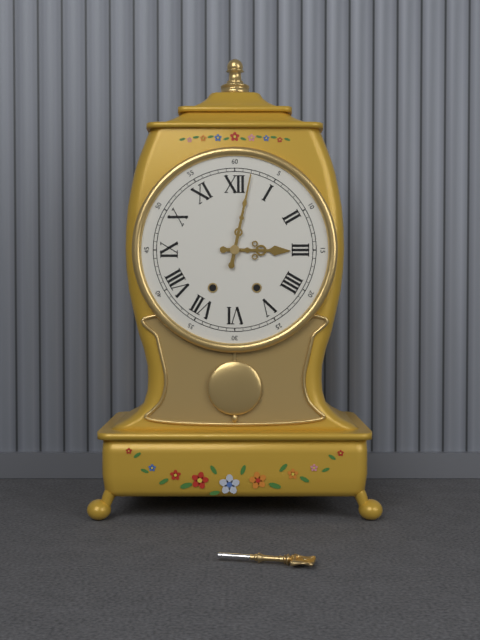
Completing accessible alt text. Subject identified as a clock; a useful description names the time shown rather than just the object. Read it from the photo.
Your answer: 3:02
